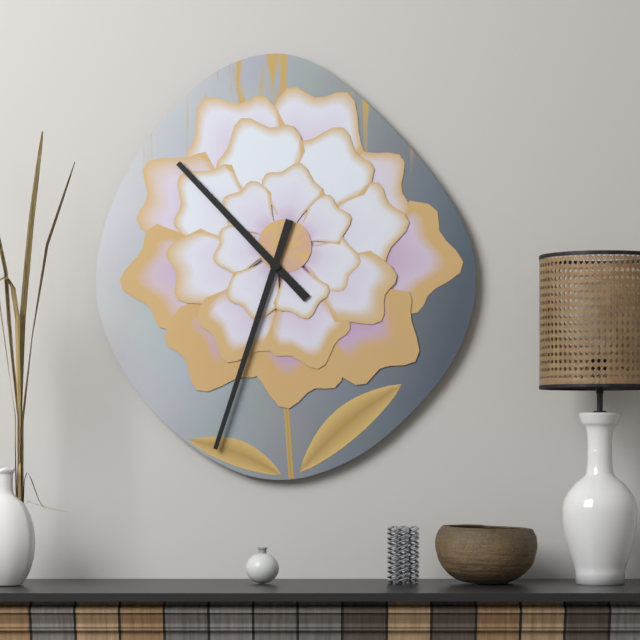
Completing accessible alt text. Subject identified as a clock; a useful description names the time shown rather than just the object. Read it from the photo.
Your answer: 10:33
